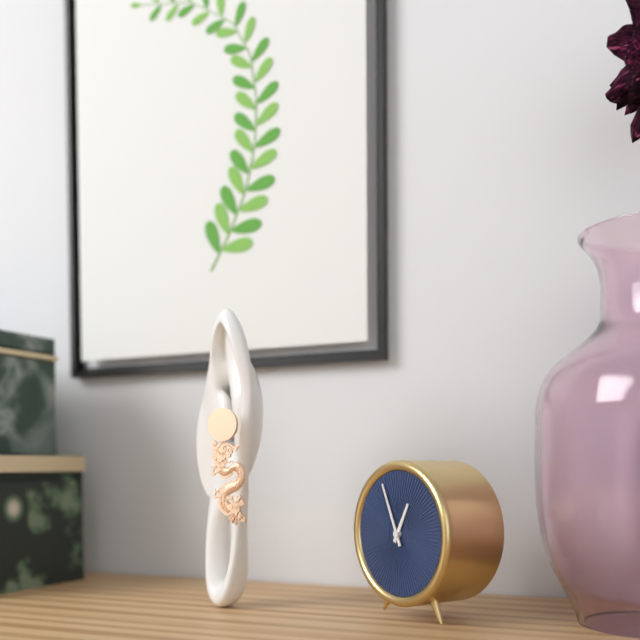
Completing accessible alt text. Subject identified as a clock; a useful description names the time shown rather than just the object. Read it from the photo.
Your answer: 12:56
